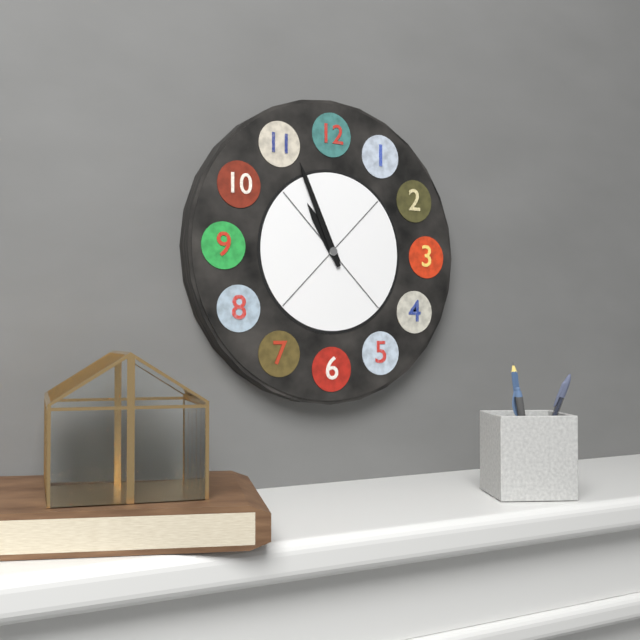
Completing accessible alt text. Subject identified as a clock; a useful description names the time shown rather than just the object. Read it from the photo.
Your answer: 10:56
